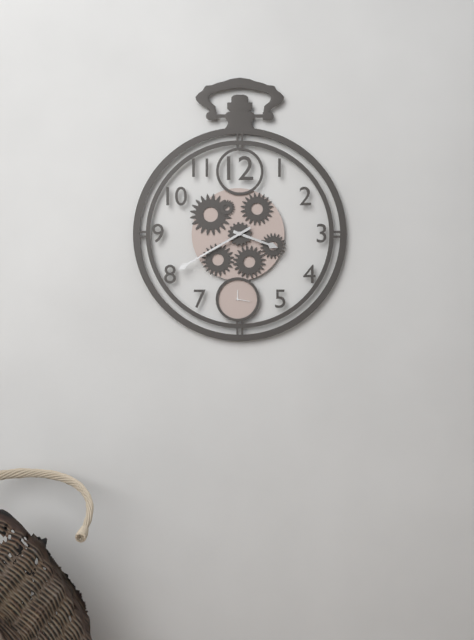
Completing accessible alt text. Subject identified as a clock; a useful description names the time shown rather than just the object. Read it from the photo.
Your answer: 3:40
